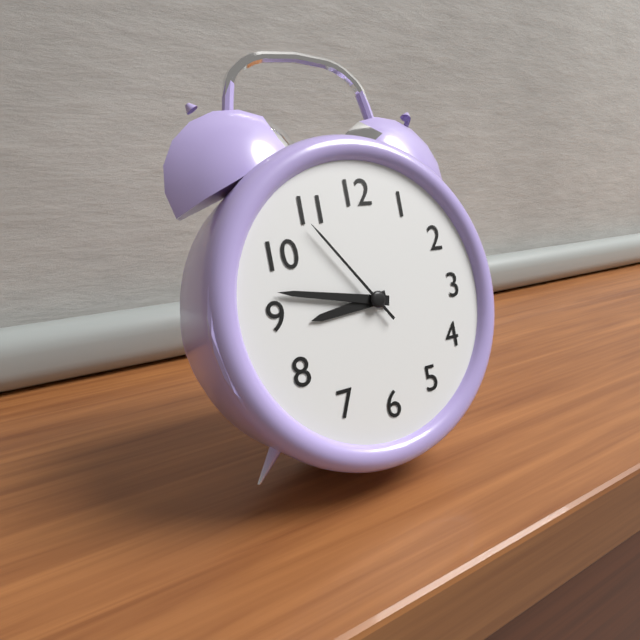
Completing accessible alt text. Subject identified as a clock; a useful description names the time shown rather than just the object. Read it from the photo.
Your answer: 8:47:54
